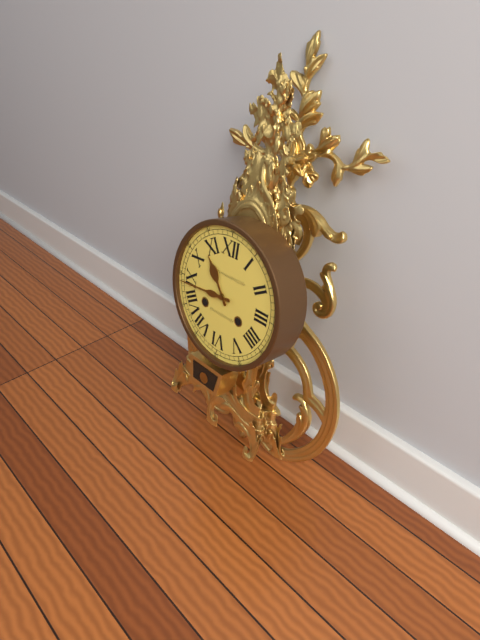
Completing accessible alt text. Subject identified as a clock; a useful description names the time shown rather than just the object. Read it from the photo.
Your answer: 10:44
